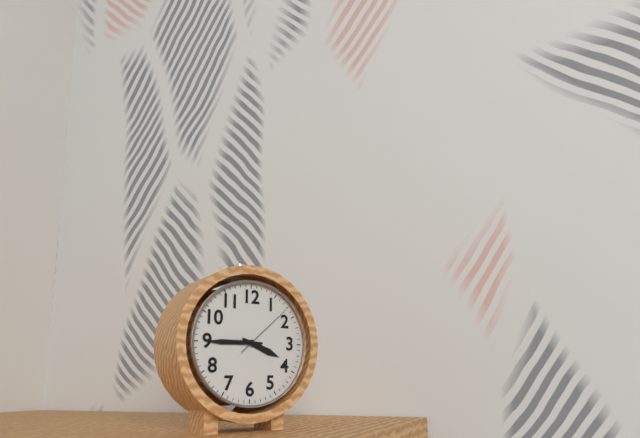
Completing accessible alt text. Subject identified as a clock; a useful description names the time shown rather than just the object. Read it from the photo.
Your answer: 3:45:08
